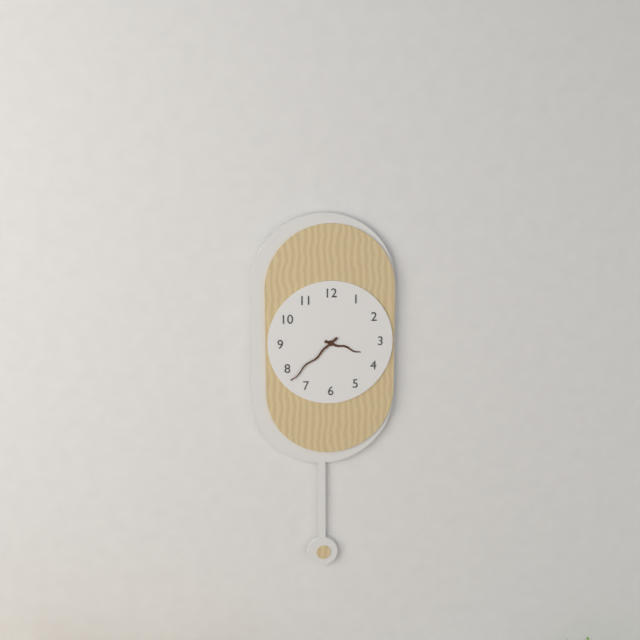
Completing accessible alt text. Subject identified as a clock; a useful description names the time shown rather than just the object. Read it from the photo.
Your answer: 3:38
